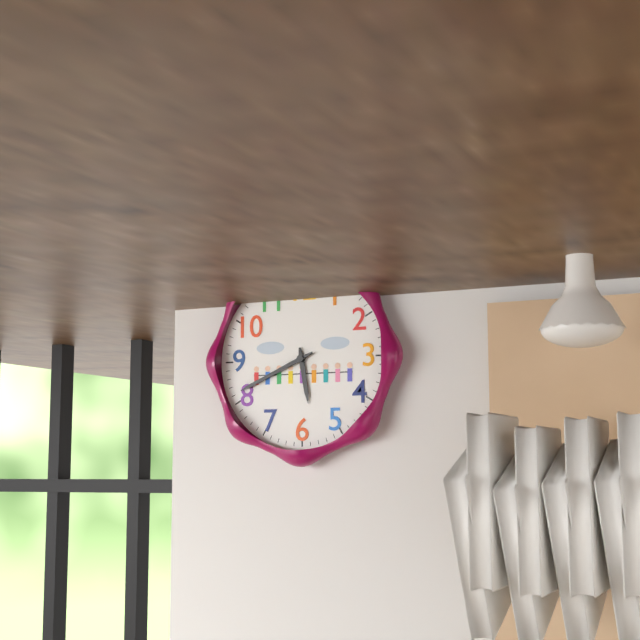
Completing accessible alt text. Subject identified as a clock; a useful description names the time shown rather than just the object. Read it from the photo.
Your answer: 5:41
